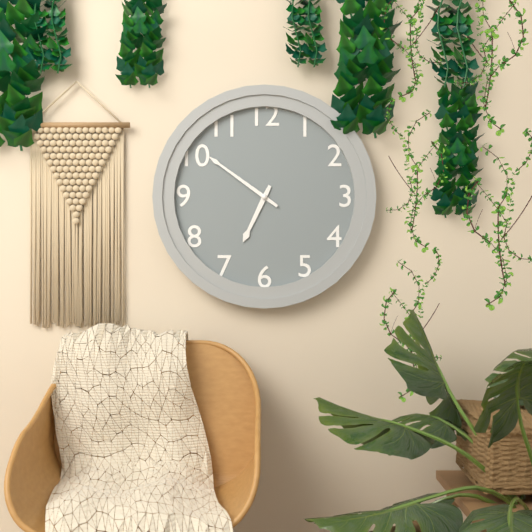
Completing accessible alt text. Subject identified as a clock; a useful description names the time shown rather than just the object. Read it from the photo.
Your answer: 6:51
